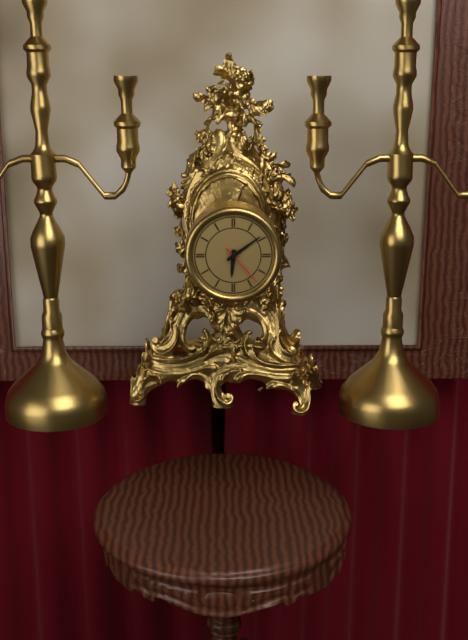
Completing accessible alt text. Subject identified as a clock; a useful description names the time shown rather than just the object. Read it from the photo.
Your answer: 6:09
